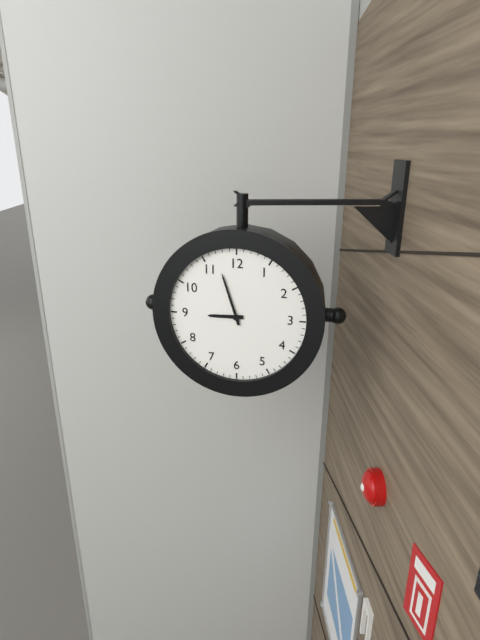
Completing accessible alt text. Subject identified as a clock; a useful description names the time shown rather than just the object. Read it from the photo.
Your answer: 8:57
